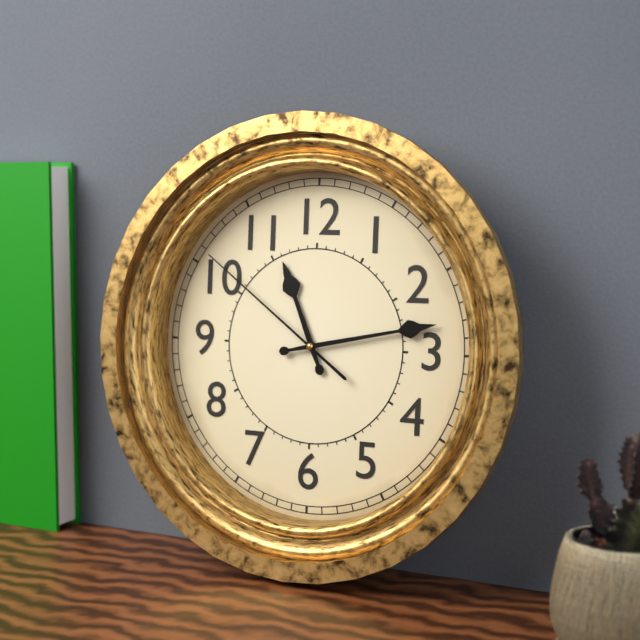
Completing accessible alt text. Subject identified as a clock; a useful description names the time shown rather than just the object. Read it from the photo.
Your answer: 11:13:51
